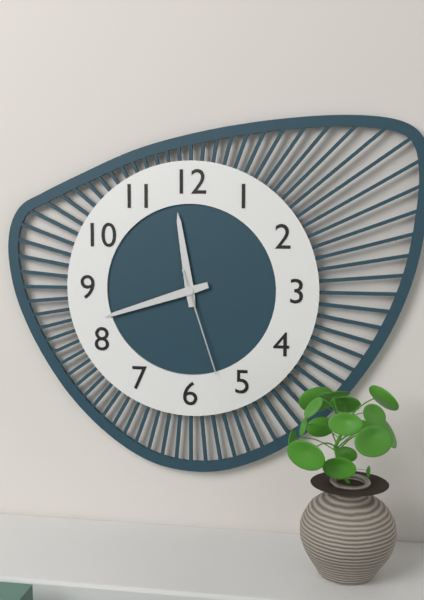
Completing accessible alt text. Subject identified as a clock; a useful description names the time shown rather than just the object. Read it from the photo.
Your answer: 11:42:27
